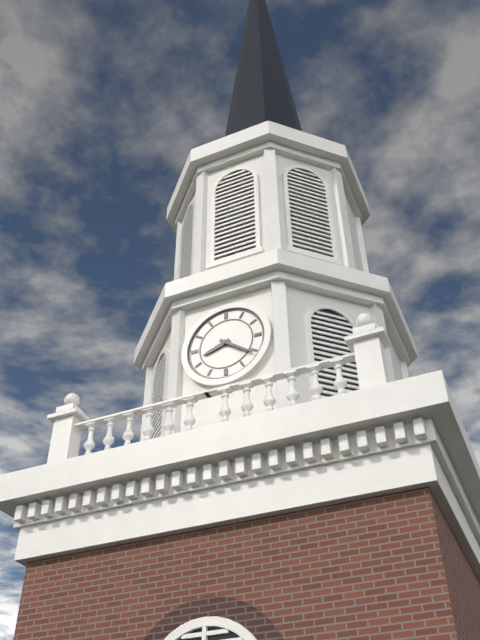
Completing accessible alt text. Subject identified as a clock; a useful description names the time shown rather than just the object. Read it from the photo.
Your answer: 8:21
